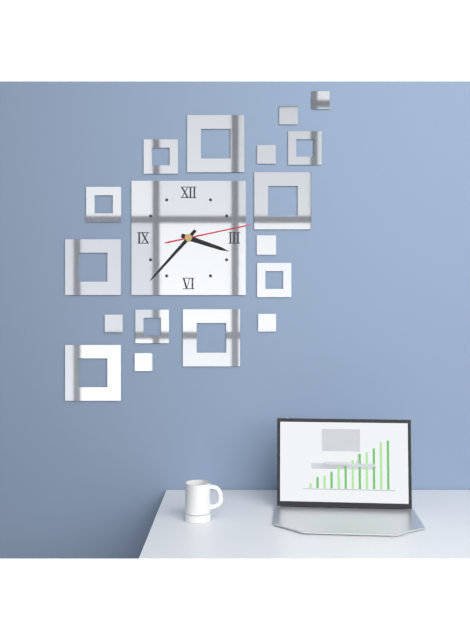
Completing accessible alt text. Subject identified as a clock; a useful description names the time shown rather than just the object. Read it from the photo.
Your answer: 3:37:13
